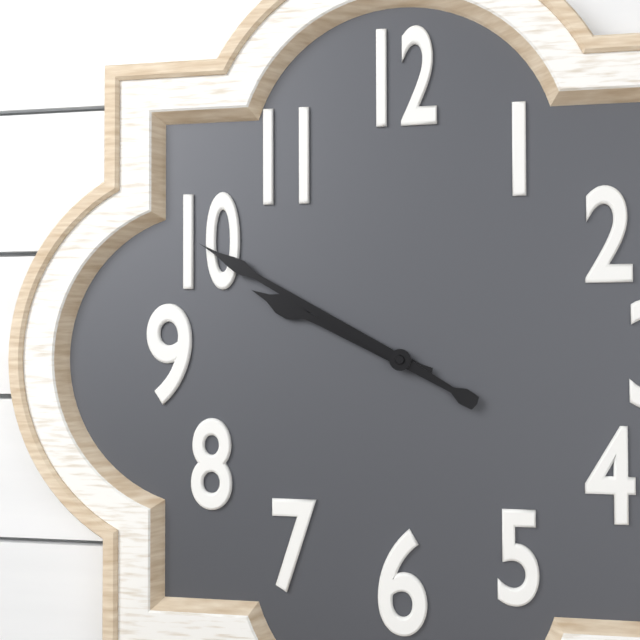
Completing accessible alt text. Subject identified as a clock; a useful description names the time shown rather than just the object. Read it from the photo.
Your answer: 9:50
